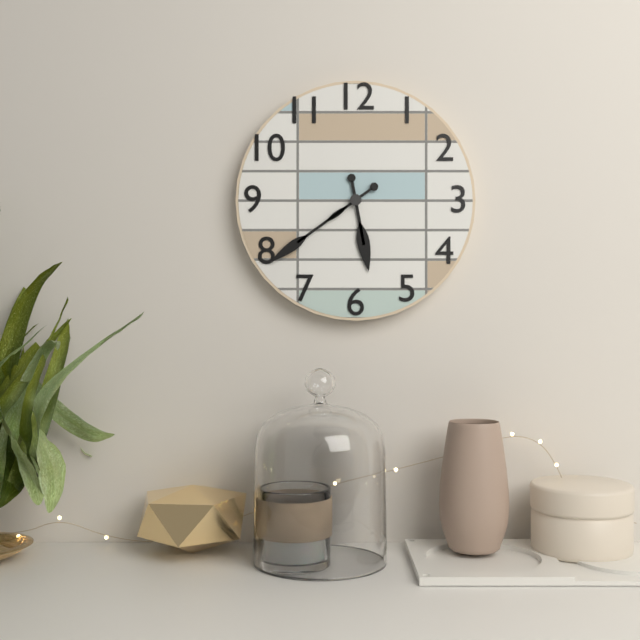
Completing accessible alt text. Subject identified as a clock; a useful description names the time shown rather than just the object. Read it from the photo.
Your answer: 5:39
